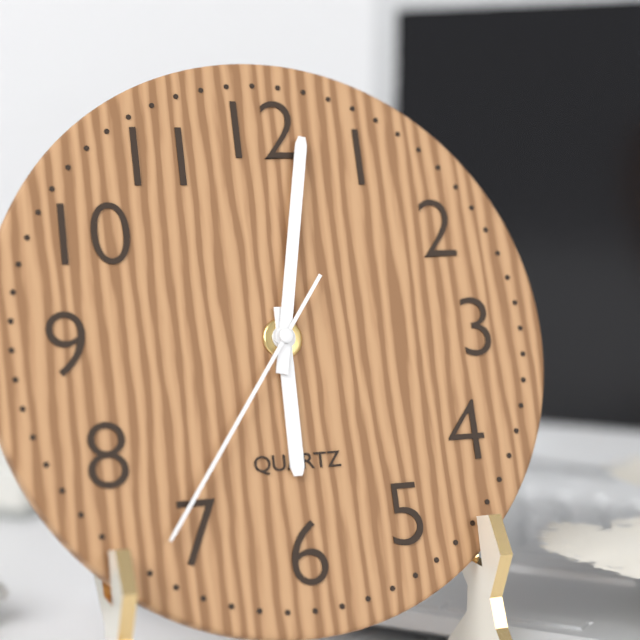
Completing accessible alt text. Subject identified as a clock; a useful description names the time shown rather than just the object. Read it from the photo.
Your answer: 6:02:36
